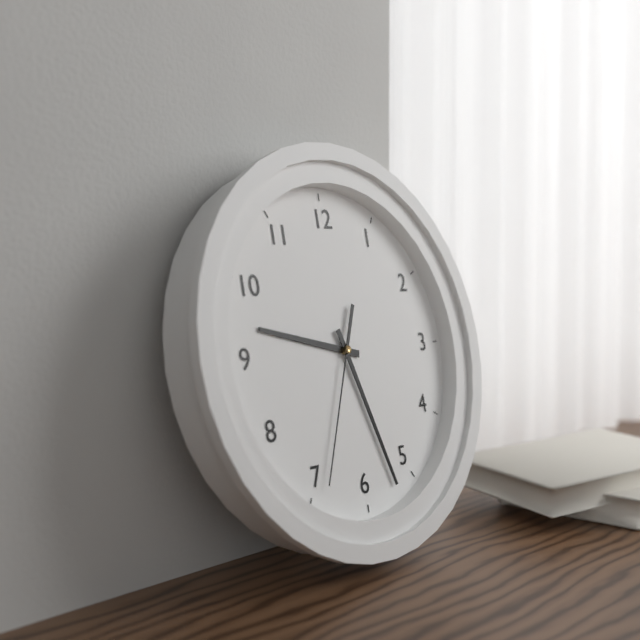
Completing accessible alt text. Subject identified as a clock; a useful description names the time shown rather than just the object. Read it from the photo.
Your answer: 9:27:34
